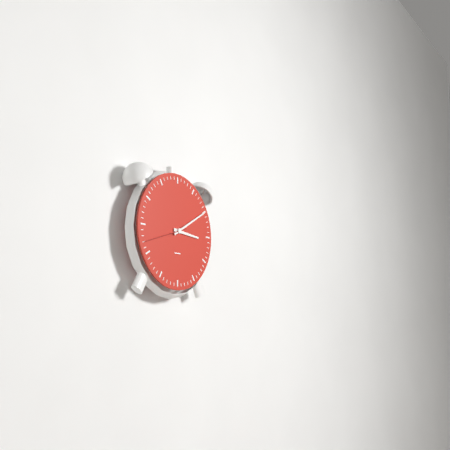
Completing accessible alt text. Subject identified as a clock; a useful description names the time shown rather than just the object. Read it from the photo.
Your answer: 3:10
